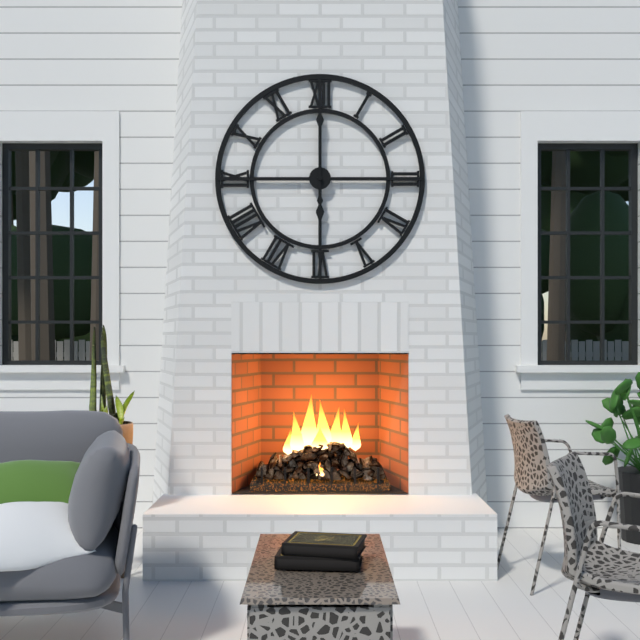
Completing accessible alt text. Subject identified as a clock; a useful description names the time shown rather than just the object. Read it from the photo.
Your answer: 6:00
